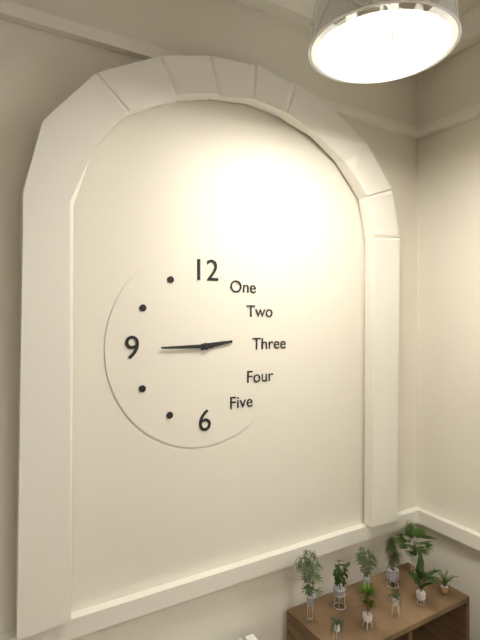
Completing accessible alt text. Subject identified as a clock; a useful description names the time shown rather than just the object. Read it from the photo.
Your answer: 2:45
